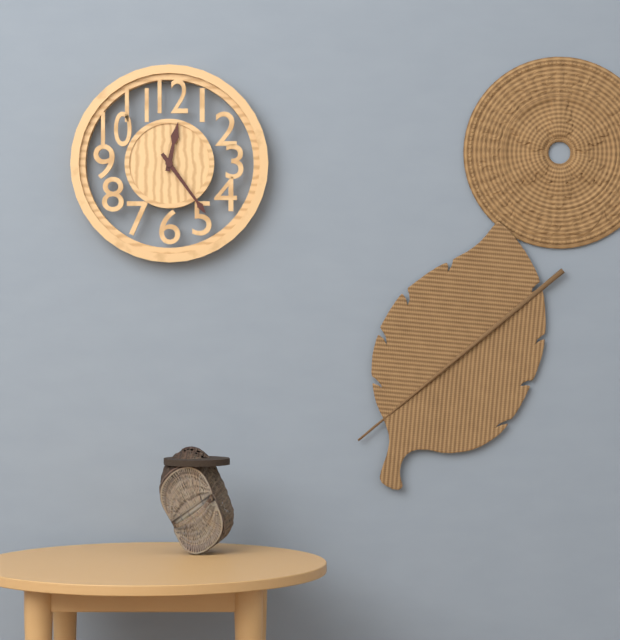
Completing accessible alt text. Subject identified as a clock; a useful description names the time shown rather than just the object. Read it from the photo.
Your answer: 12:24
